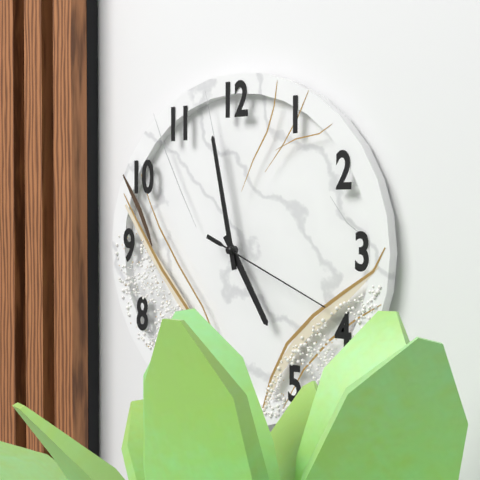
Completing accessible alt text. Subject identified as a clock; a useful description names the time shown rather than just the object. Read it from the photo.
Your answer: 4:58:19
